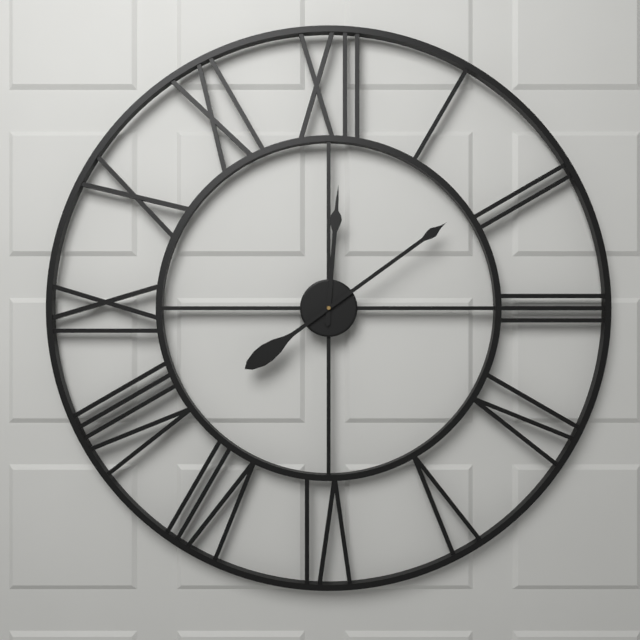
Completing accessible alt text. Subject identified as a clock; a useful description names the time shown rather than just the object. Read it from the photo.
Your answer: 12:09
